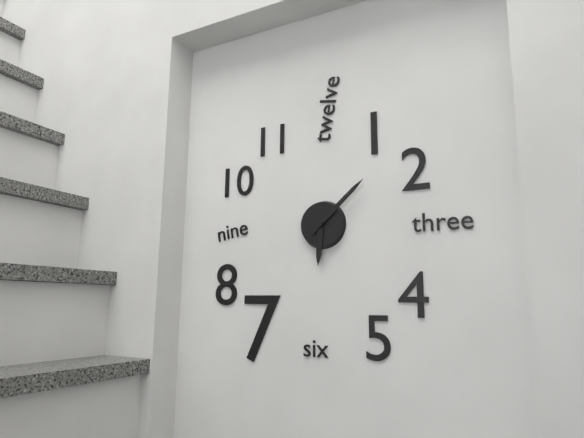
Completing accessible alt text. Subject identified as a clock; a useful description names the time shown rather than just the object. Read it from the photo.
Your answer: 6:08
